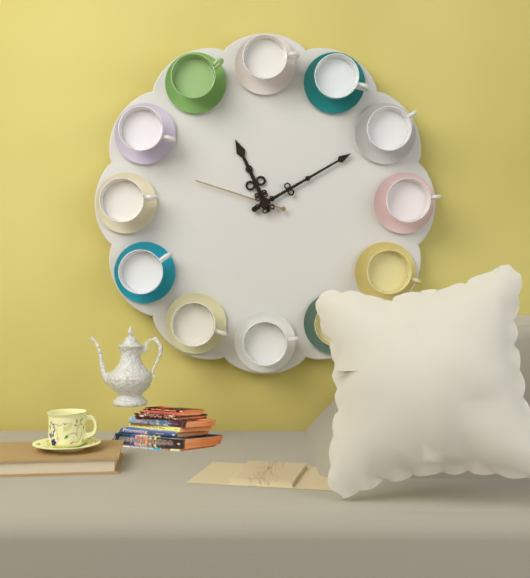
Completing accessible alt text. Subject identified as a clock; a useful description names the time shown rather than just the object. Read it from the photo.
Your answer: 11:10:48
